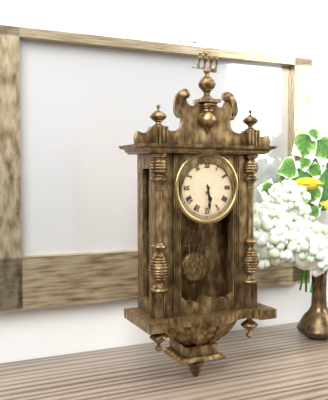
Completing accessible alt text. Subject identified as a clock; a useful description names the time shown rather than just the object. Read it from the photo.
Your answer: 5:29
